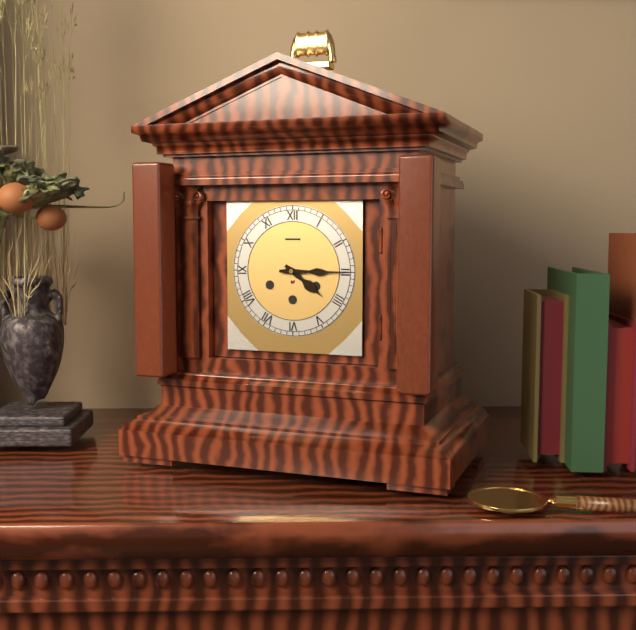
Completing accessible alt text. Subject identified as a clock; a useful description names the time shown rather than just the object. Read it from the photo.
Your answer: 4:15
